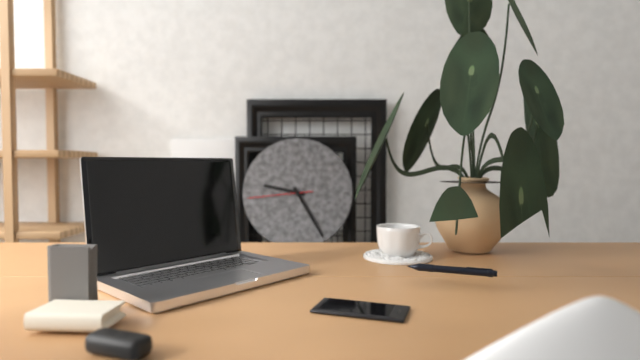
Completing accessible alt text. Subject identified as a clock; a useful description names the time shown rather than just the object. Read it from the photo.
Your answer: 9:25:44
